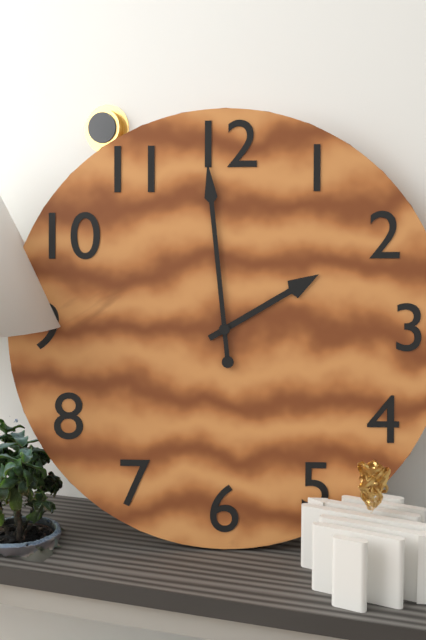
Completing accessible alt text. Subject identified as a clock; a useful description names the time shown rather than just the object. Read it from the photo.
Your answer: 1:59
